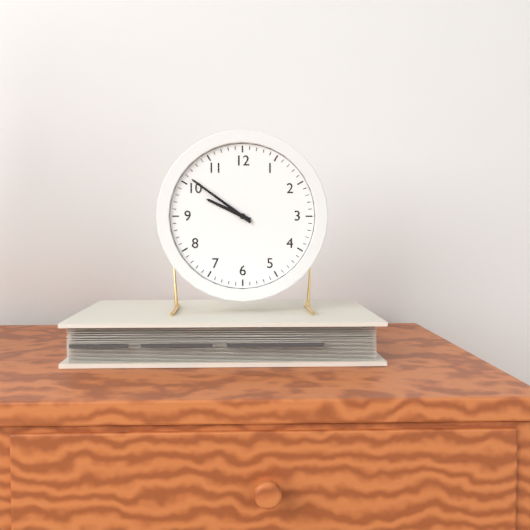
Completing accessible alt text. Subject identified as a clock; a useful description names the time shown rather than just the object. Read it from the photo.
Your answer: 9:51
